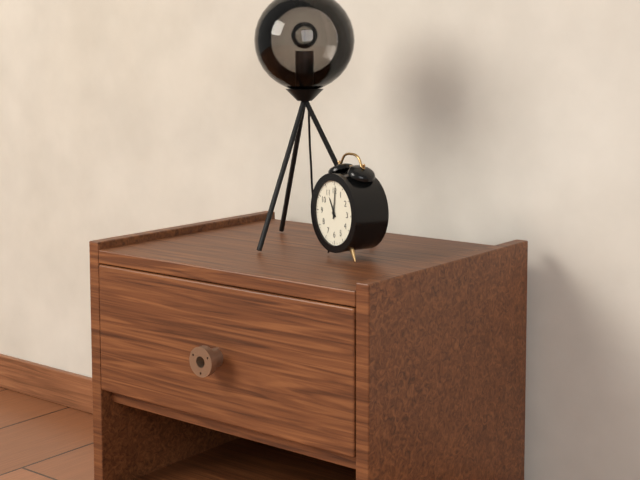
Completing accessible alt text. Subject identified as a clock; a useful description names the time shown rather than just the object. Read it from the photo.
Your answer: 11:01
